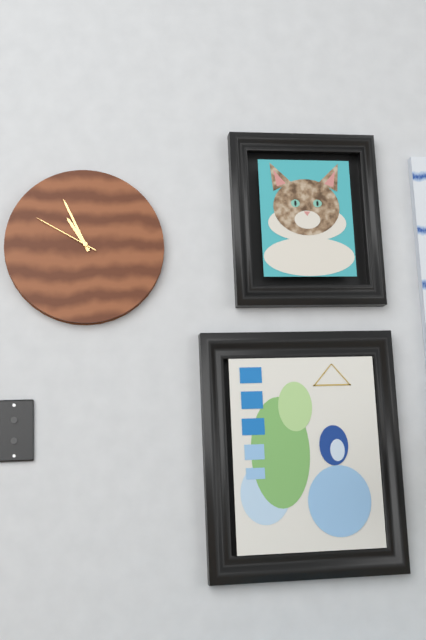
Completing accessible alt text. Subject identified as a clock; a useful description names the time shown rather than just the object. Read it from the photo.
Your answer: 10:56:50
